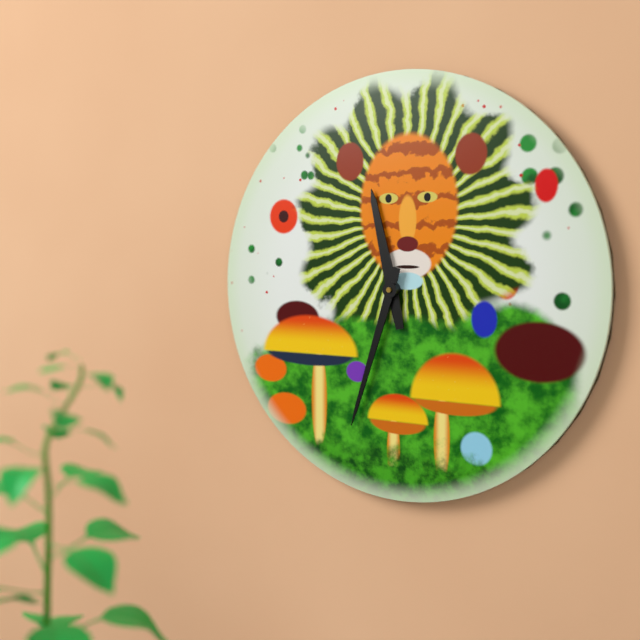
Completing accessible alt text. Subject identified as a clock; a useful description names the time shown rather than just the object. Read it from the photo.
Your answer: 11:33
